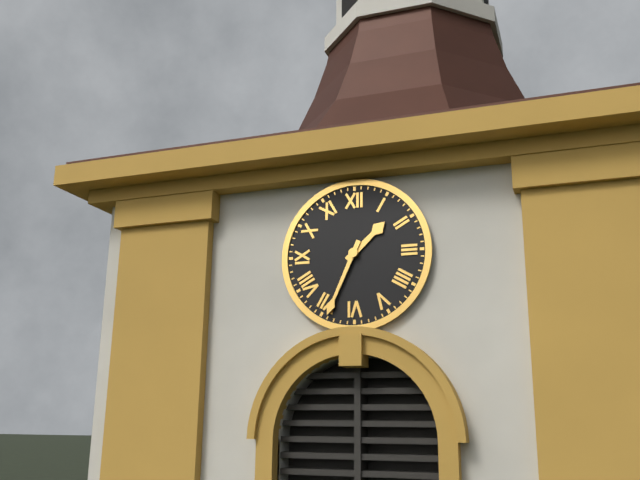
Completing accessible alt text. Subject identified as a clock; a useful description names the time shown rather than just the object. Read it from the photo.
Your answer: 1:34
